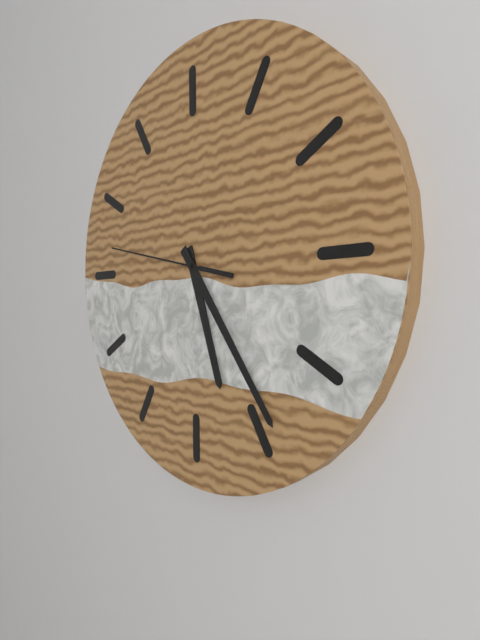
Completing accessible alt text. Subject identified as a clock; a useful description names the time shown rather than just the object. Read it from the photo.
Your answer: 5:24:47
